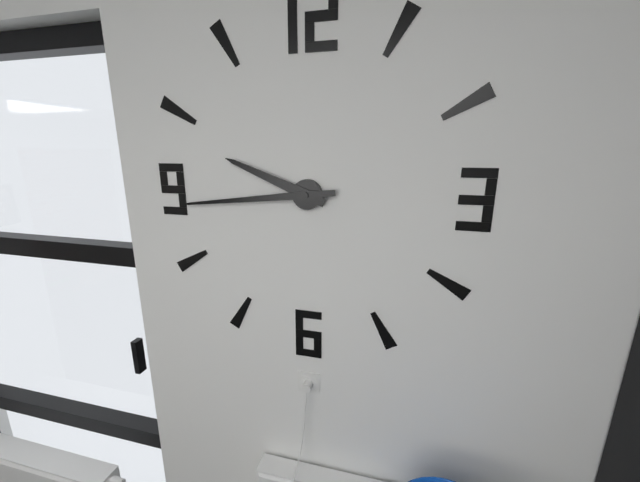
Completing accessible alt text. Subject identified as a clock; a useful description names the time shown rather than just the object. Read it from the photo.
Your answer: 9:44
